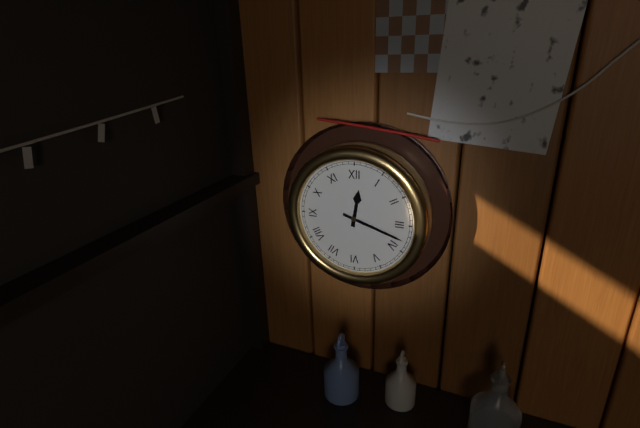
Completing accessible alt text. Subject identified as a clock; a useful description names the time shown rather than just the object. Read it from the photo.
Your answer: 12:18
